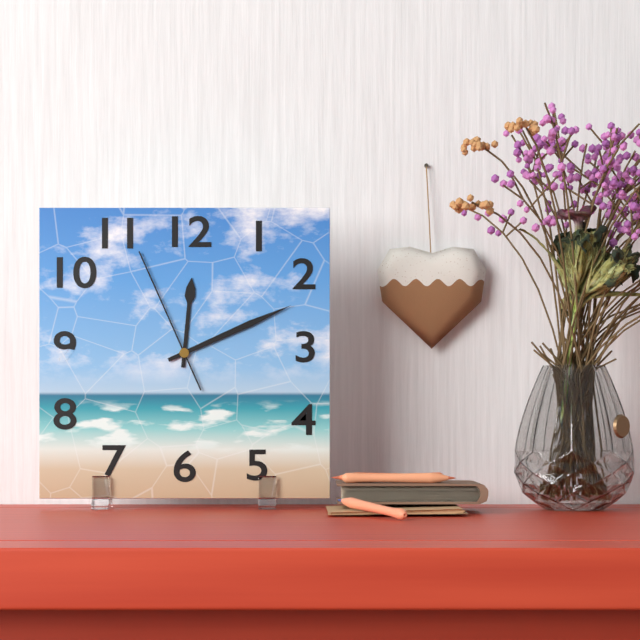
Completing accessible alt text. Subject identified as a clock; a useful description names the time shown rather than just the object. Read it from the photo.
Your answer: 12:11:56
